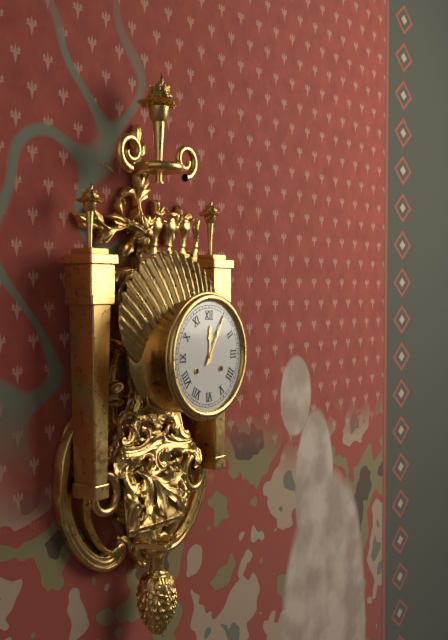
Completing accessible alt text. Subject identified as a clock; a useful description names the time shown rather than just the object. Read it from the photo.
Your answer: 12:05
